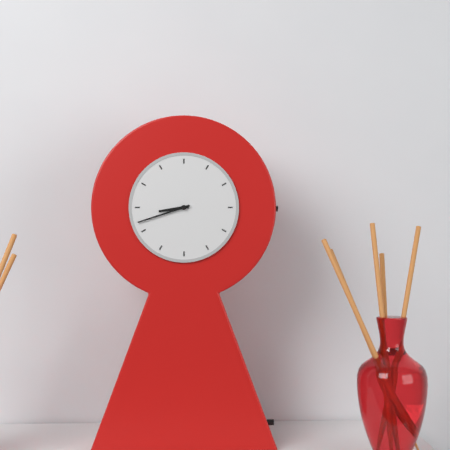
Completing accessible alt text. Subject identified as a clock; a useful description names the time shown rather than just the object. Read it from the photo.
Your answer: 8:42
